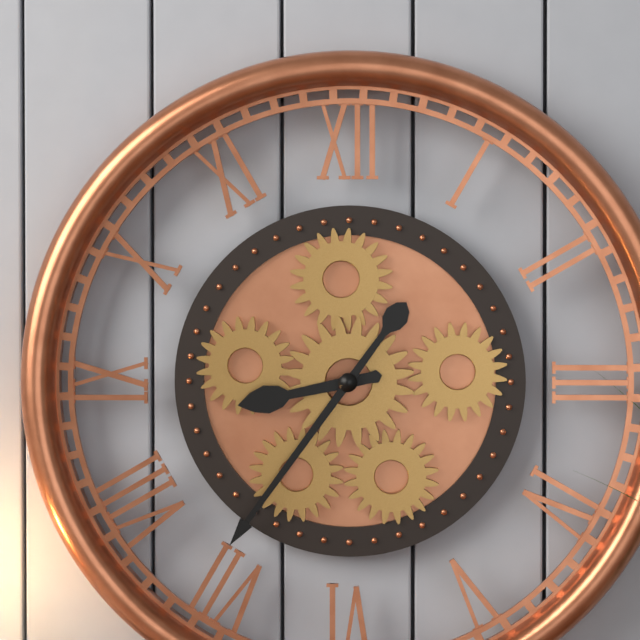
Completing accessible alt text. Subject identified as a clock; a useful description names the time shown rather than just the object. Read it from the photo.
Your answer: 8:36
